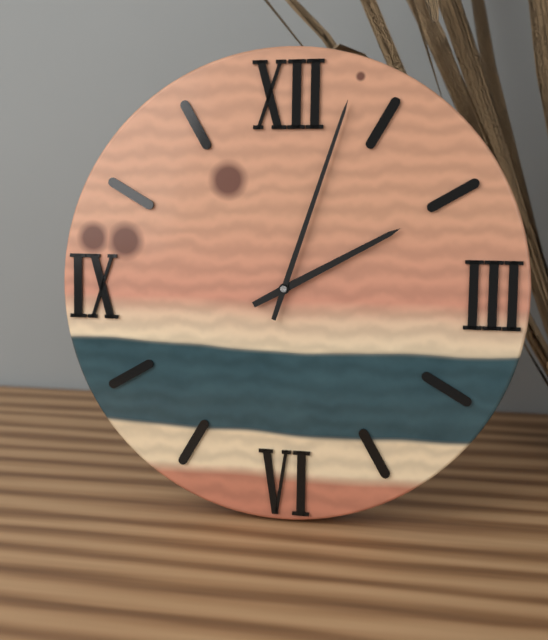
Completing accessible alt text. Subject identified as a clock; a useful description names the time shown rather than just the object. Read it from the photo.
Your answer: 2:03
